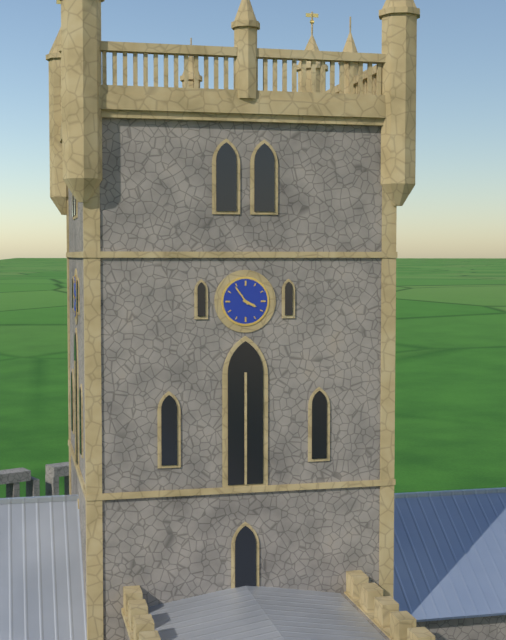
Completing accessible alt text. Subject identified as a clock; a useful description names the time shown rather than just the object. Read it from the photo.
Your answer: 3:54
